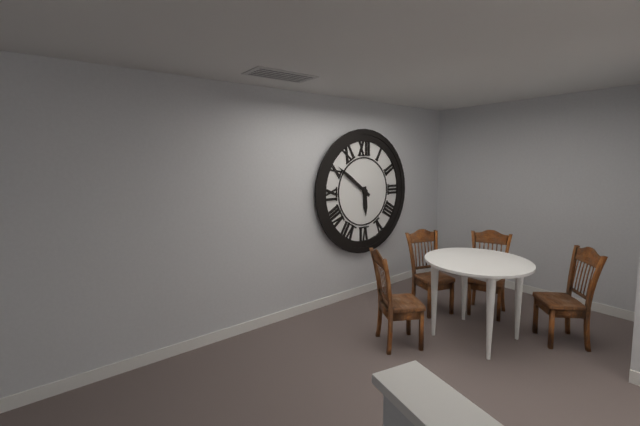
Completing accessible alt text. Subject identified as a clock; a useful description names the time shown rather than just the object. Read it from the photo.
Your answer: 5:51
